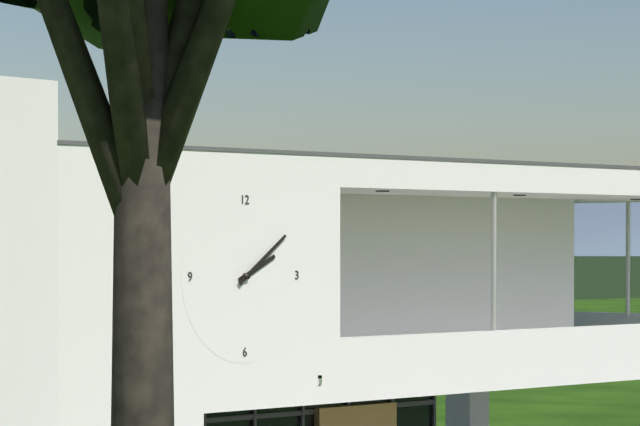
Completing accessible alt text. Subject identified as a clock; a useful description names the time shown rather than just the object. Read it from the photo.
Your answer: 2:09
